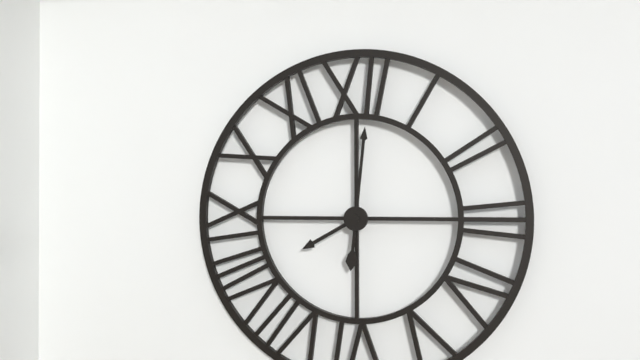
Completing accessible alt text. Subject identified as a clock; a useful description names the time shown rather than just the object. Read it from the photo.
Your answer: 8:01
